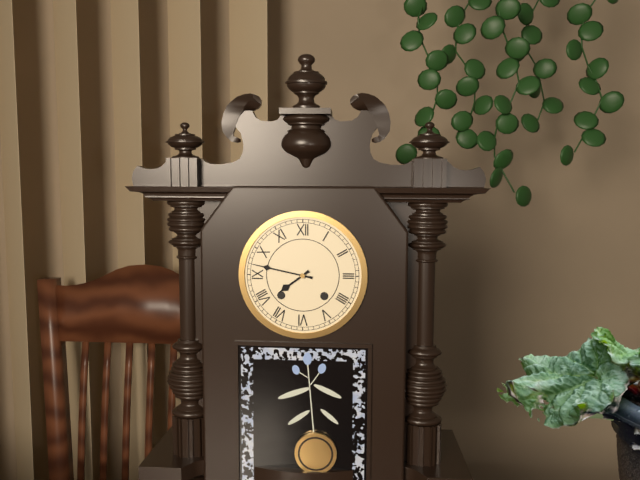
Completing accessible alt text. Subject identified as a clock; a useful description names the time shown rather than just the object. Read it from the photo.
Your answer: 7:47
